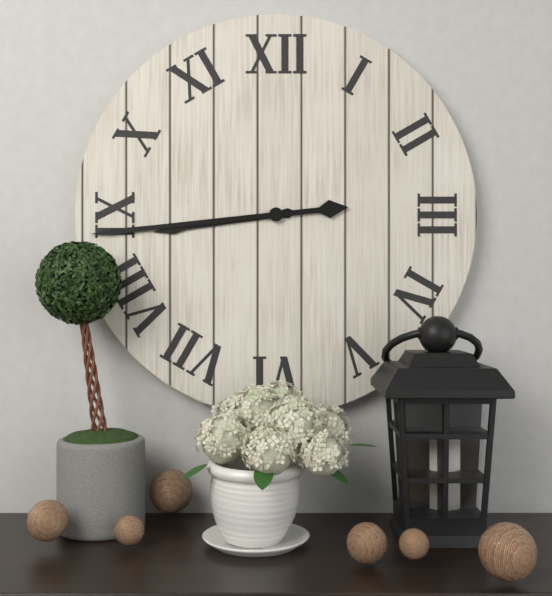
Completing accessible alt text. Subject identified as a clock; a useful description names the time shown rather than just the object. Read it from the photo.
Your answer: 8:44
